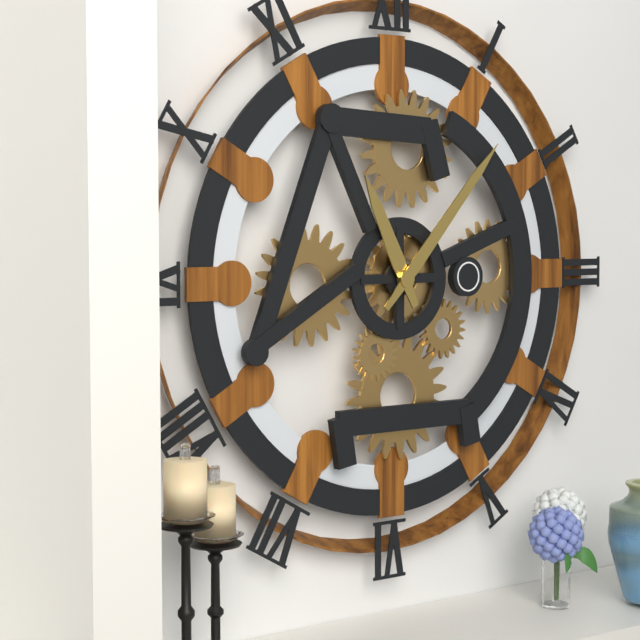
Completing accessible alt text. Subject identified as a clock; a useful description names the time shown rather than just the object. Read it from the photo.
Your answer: 11:07
